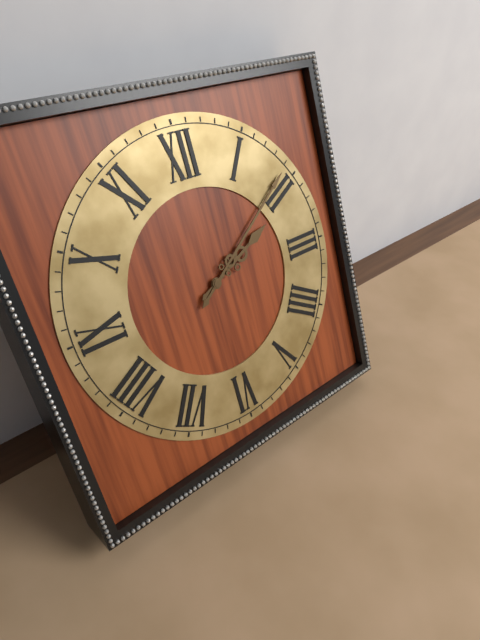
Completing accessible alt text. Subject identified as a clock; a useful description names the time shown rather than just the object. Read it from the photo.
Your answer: 2:09
